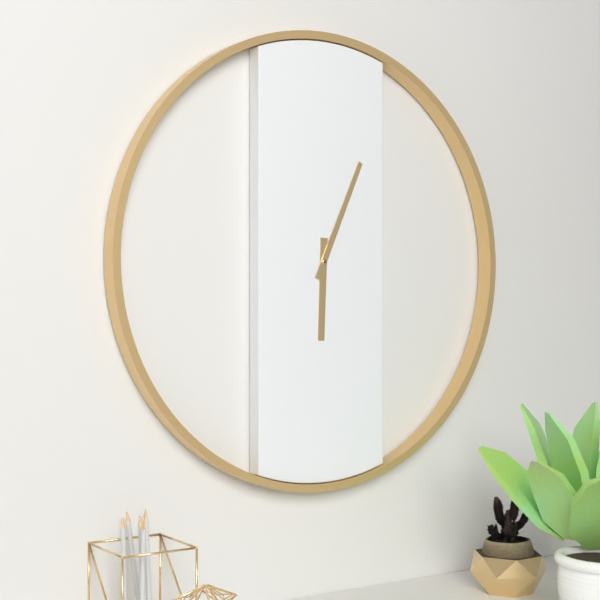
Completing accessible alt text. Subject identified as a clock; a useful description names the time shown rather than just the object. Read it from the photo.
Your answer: 6:04
